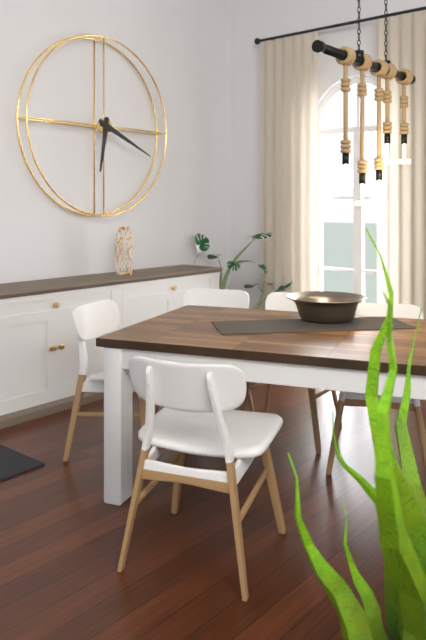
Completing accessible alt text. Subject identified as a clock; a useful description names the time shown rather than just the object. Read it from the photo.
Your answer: 6:19
